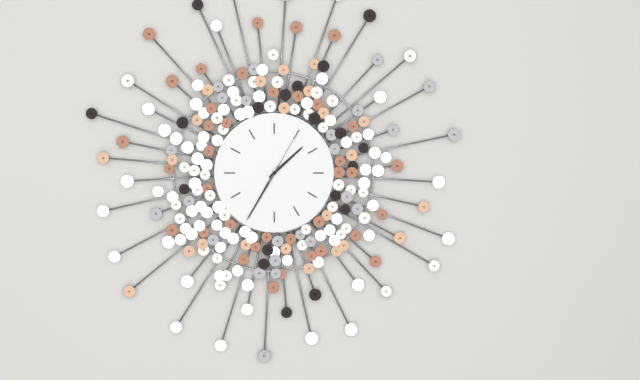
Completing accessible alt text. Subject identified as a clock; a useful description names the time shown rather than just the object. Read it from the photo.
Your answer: 1:35:05
